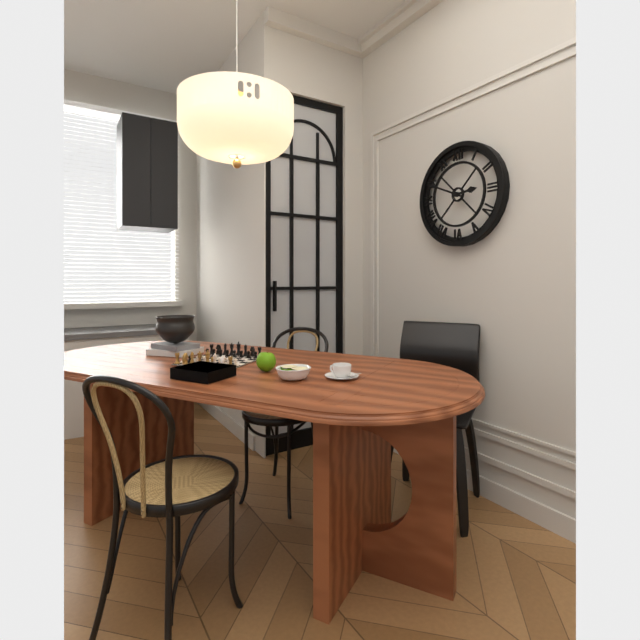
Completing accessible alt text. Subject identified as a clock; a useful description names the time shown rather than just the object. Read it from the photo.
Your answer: 2:49
